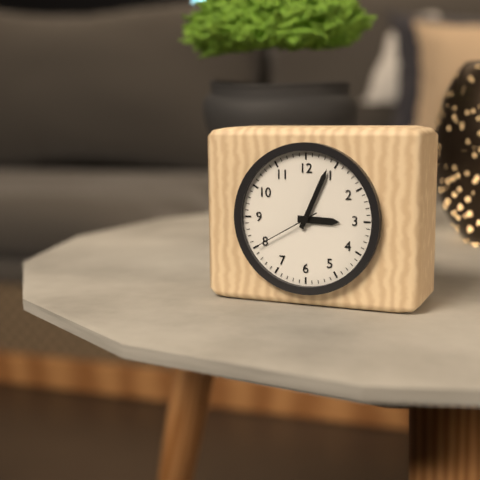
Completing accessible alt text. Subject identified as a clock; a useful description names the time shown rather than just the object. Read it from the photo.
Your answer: 3:04:40
